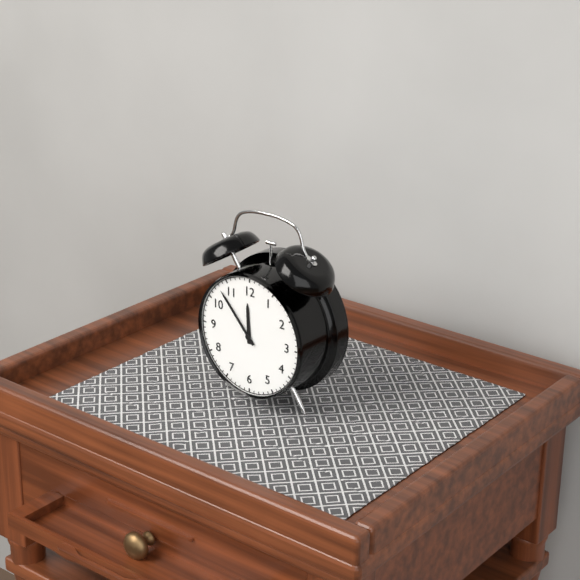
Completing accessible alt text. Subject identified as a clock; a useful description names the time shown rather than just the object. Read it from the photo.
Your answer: 11:53
